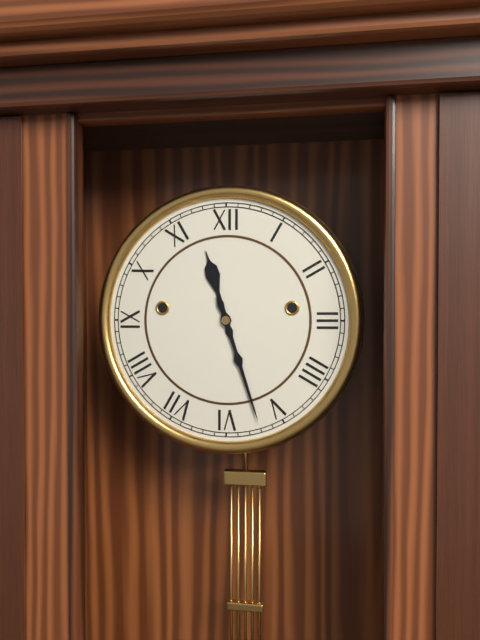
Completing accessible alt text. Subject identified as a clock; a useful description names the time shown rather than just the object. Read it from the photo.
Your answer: 11:27
